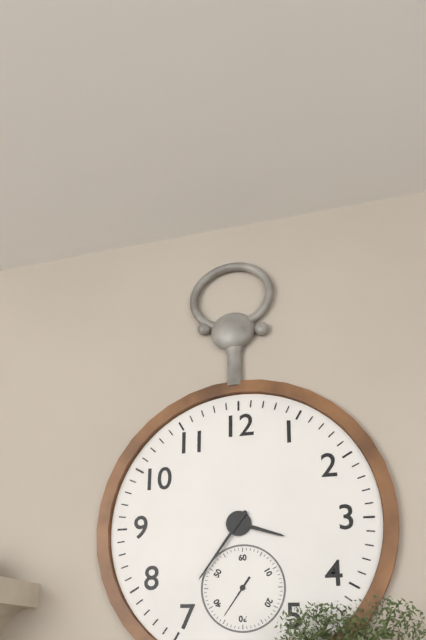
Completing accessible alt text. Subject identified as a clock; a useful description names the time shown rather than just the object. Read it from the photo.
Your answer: 3:36
